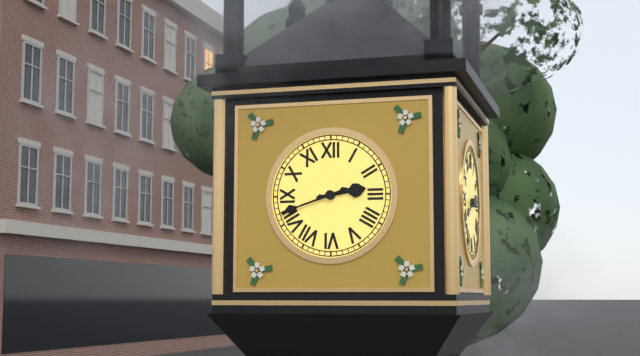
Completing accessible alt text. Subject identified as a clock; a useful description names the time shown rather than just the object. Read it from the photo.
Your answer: 2:42
